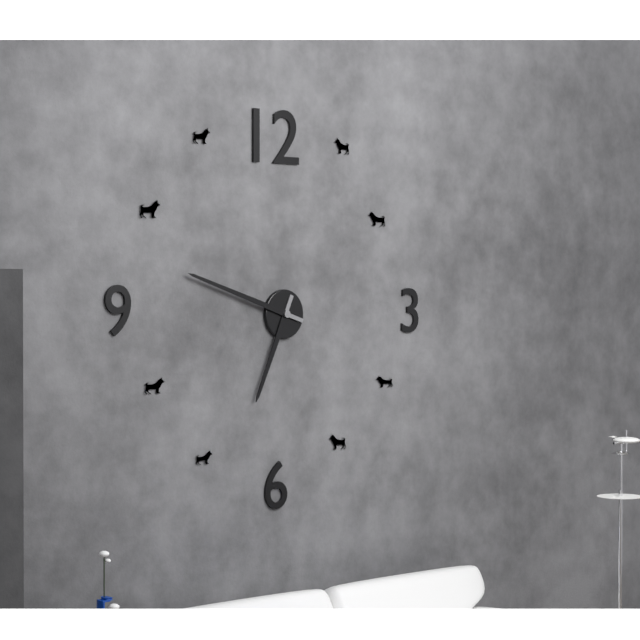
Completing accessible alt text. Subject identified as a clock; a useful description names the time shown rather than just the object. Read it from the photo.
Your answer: 6:48
